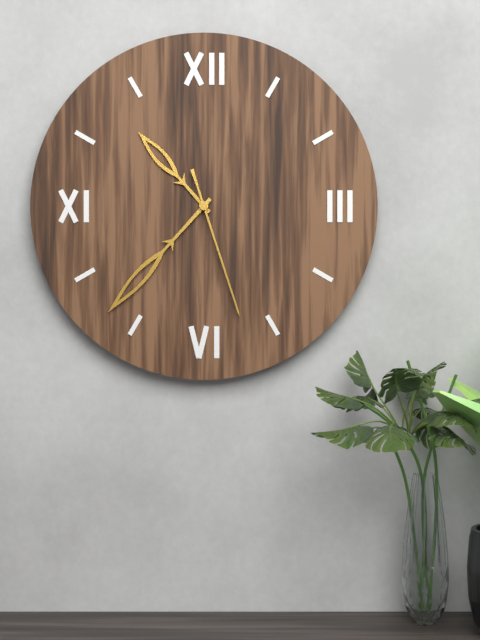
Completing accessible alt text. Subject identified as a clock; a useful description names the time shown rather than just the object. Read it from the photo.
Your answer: 10:37:27
